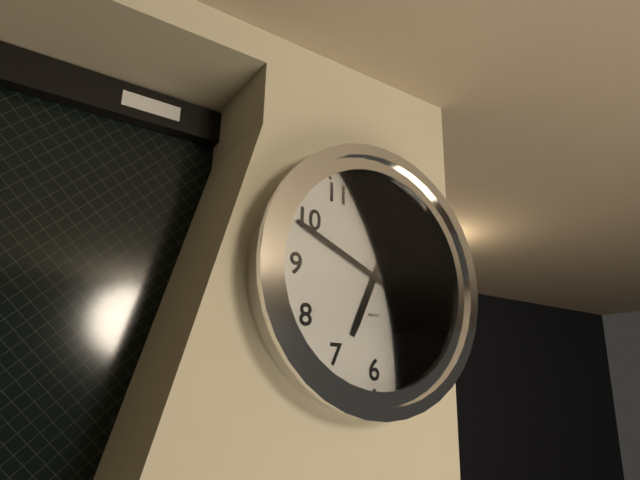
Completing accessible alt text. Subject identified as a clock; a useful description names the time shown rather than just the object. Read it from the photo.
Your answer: 6:49
